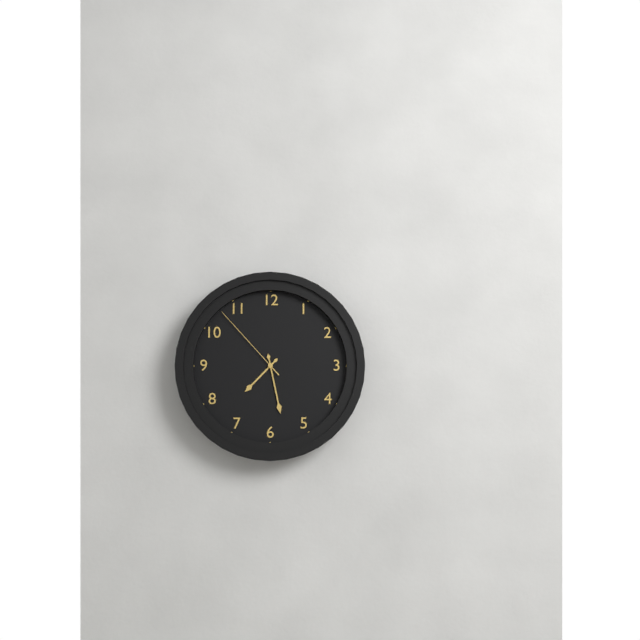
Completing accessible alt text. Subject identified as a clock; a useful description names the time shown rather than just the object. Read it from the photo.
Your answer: 7:28:53
